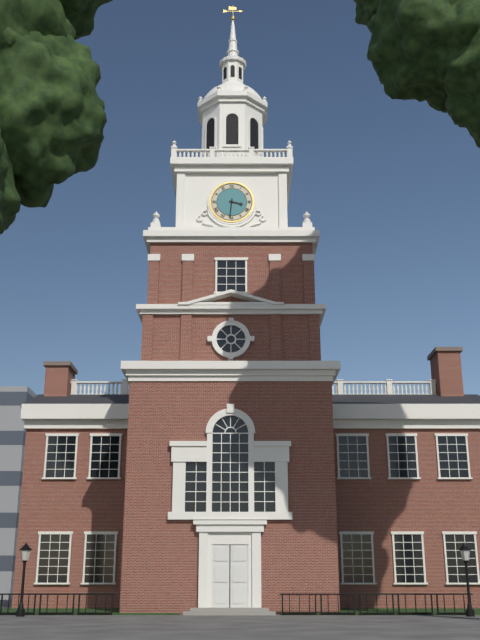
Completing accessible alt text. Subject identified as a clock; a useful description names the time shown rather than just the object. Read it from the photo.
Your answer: 3:31
